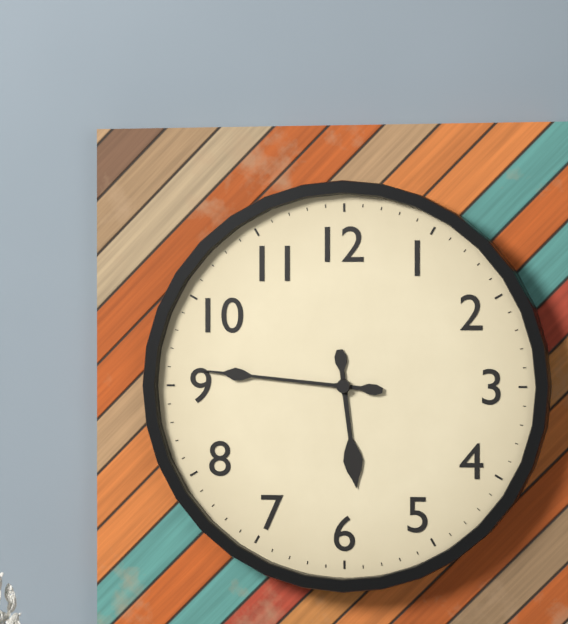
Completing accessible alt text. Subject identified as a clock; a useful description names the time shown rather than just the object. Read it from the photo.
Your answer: 5:46
